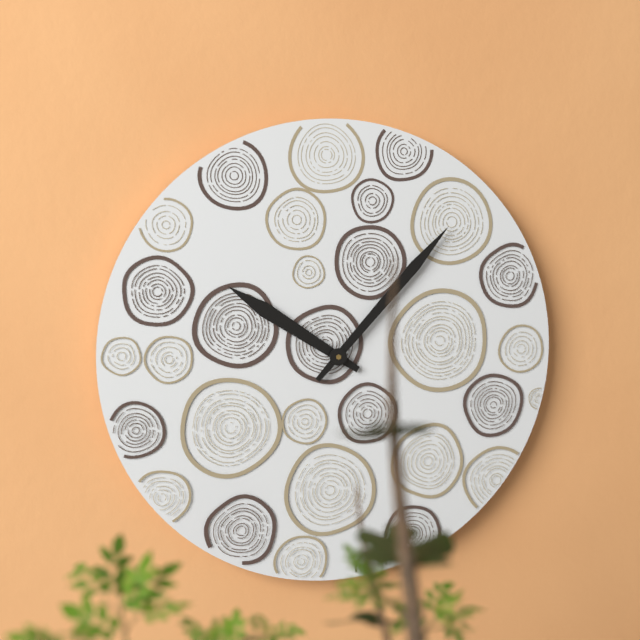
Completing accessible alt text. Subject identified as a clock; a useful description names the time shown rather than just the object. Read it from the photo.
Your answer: 10:07
